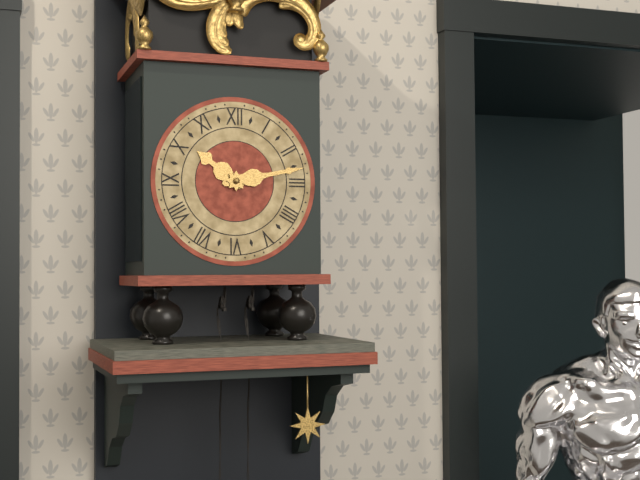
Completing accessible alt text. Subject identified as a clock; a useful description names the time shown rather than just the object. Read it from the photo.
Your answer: 10:13
